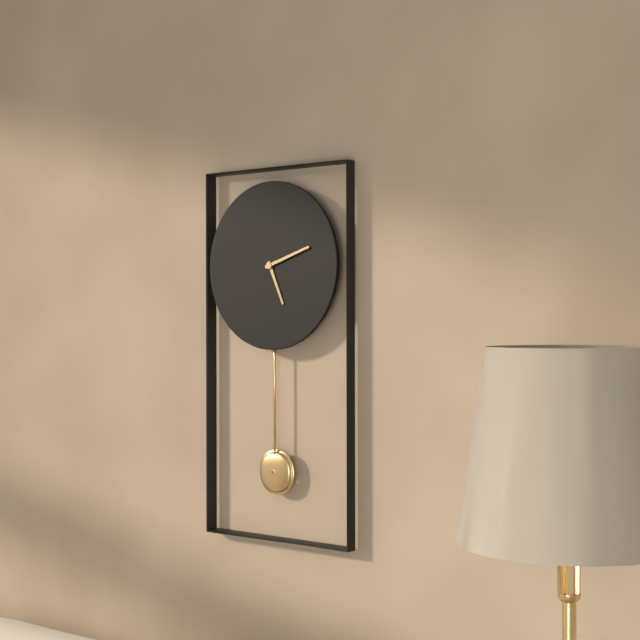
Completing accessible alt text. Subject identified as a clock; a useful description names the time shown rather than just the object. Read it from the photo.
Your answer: 5:12
